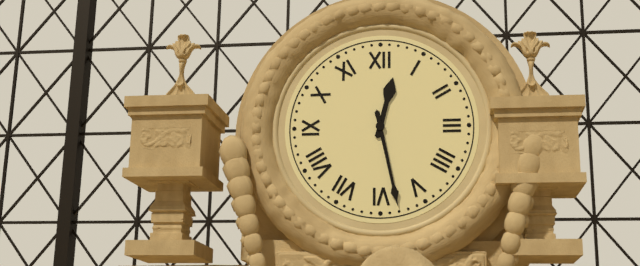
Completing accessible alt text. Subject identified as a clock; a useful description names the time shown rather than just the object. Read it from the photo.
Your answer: 12:28
